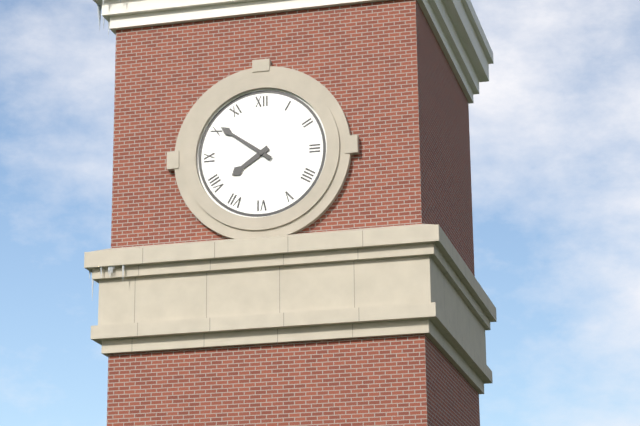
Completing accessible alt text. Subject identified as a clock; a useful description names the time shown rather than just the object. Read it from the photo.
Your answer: 7:51
